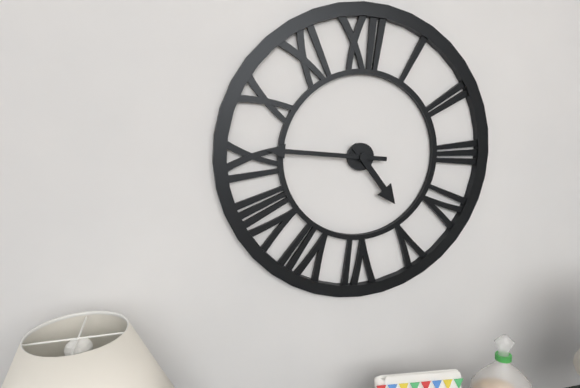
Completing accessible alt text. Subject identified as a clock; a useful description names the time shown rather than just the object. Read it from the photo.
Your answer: 4:46
